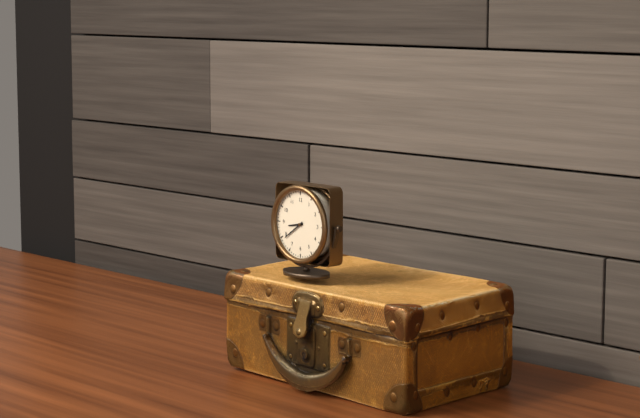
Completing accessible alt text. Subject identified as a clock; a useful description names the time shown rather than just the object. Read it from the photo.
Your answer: 8:39
